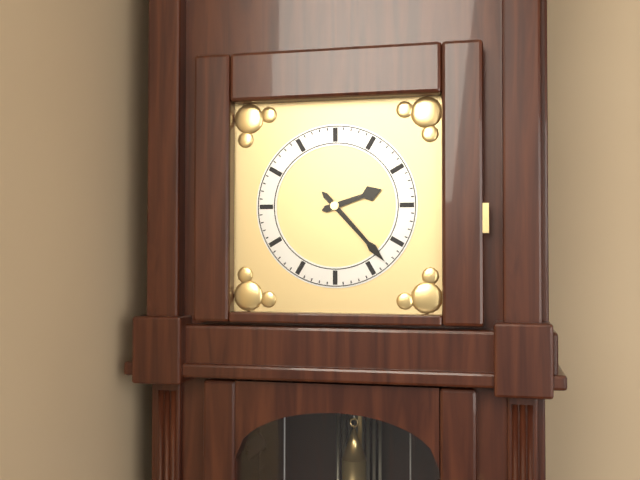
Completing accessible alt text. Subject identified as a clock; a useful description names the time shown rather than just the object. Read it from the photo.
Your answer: 2:23
